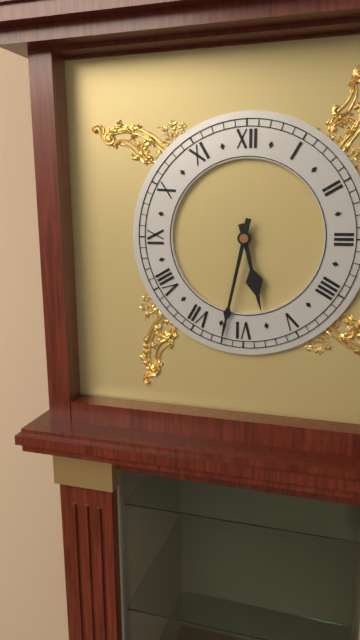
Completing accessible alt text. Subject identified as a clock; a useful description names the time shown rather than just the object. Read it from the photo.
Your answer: 5:32
